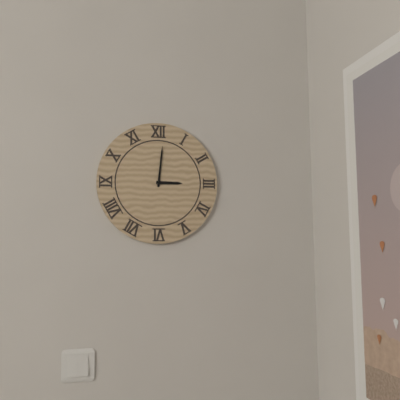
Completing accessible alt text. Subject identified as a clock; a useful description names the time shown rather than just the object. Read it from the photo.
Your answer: 3:01
